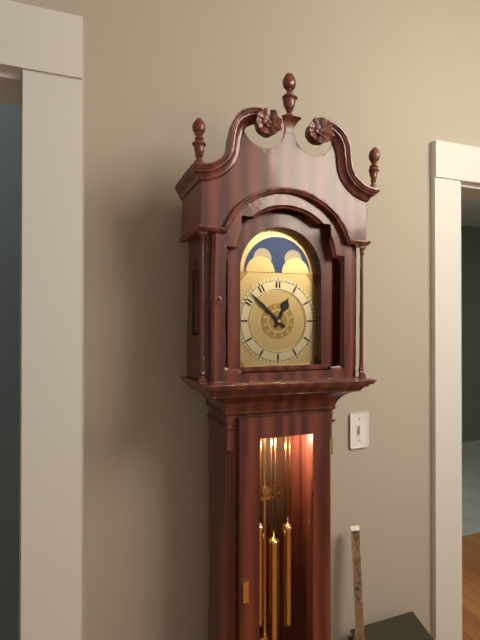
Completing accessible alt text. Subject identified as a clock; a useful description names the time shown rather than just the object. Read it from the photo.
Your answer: 12:52
